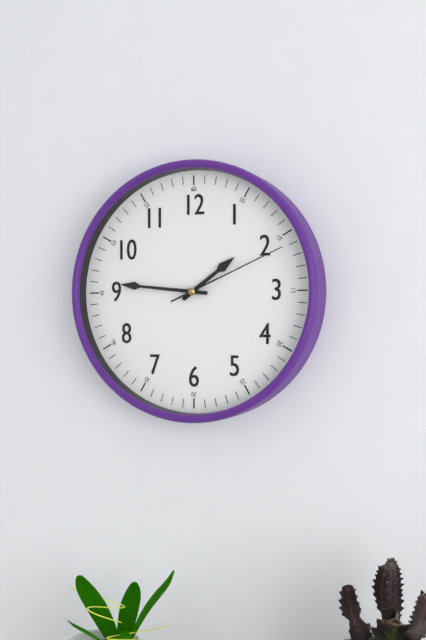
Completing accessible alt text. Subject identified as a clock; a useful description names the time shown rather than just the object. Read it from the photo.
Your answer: 1:46:11
